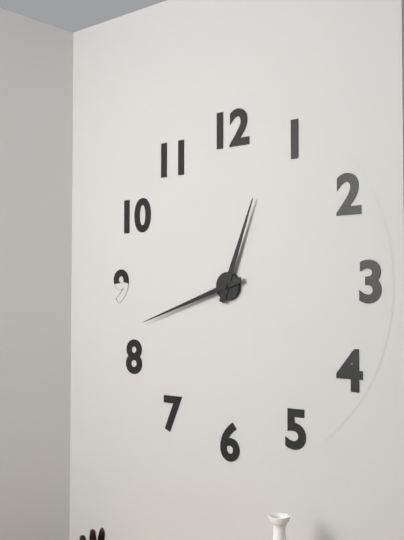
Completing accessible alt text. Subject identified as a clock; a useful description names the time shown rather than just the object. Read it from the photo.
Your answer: 12:42
